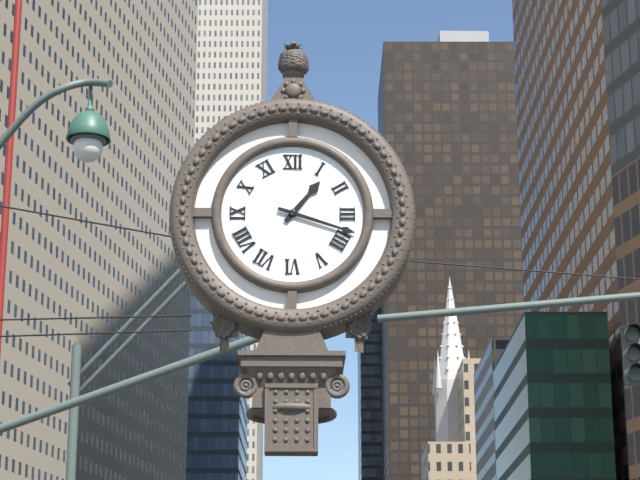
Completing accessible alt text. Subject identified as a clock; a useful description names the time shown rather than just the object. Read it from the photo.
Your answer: 1:18
